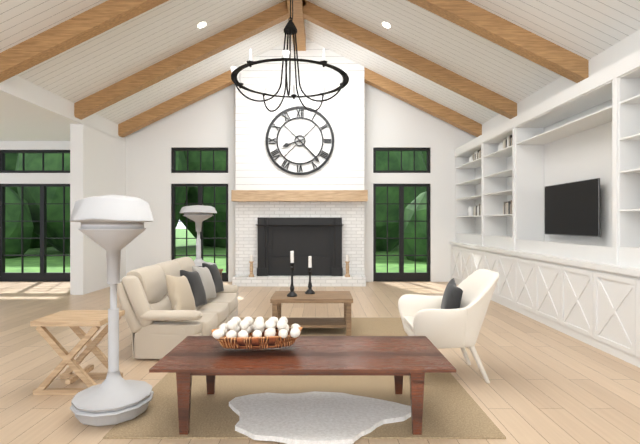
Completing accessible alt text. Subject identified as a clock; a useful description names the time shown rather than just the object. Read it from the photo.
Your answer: 8:23
